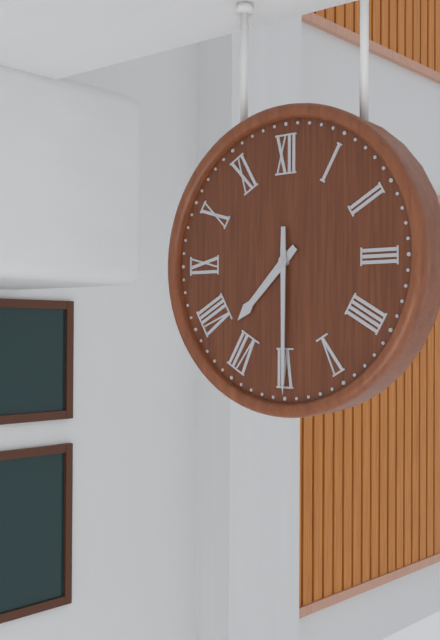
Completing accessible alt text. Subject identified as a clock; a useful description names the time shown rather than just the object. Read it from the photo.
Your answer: 7:30
